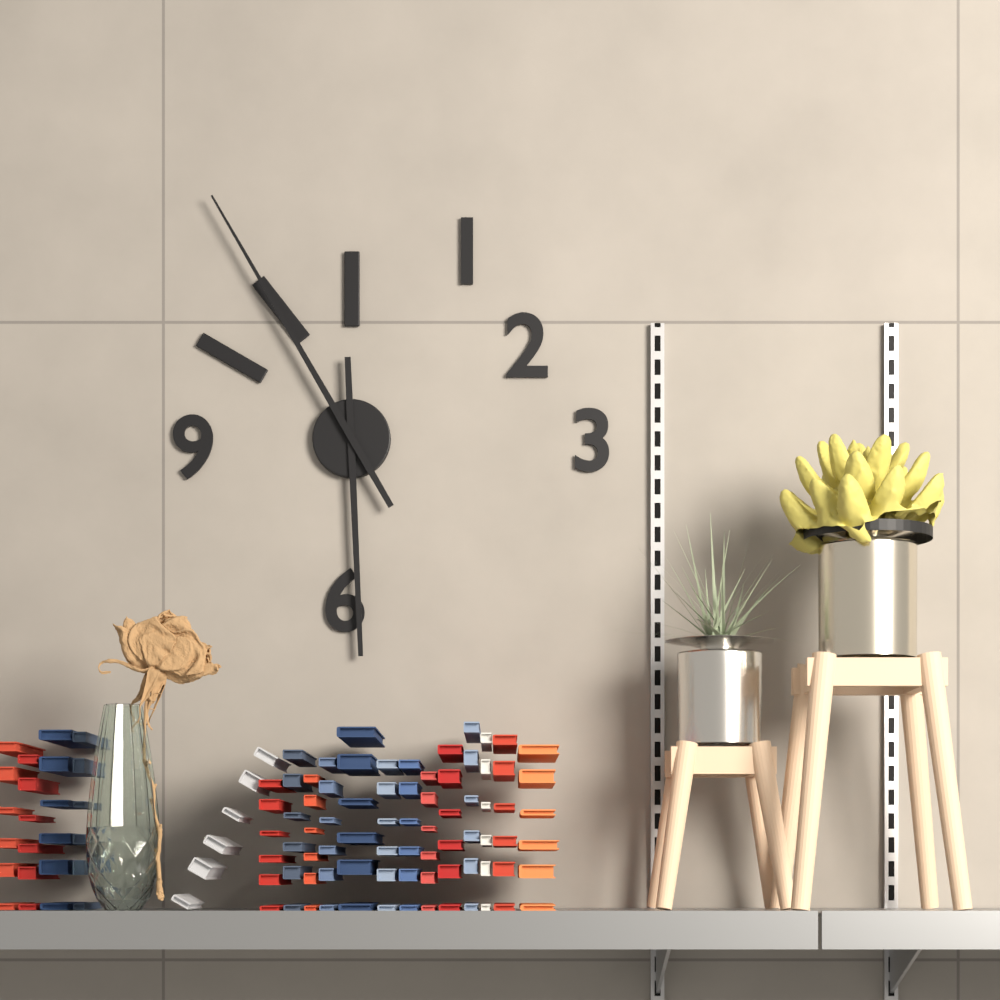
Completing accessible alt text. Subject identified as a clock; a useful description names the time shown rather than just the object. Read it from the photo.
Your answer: 5:55
